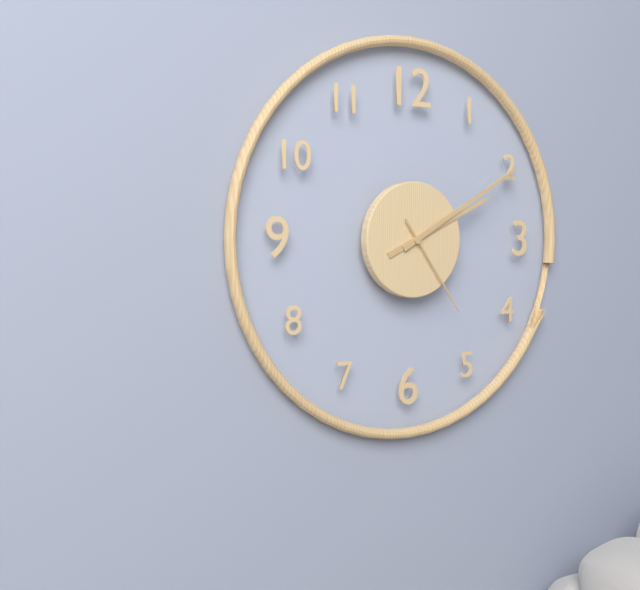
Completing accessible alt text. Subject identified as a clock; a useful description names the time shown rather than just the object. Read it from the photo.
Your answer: 2:10:24
